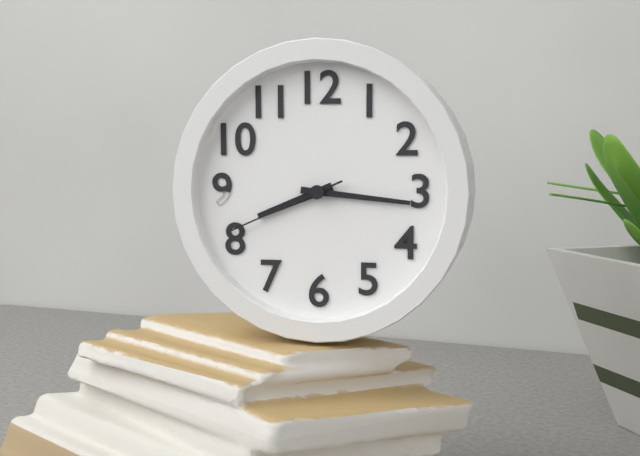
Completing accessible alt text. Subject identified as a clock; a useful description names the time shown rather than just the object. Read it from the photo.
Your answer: 8:16:41
